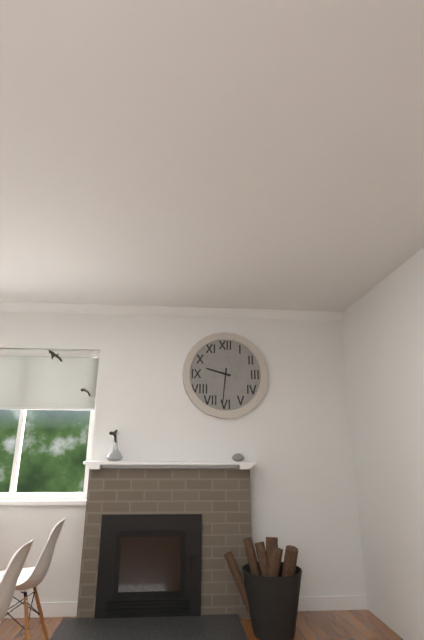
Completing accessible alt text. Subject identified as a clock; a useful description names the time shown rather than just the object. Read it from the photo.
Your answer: 9:31
